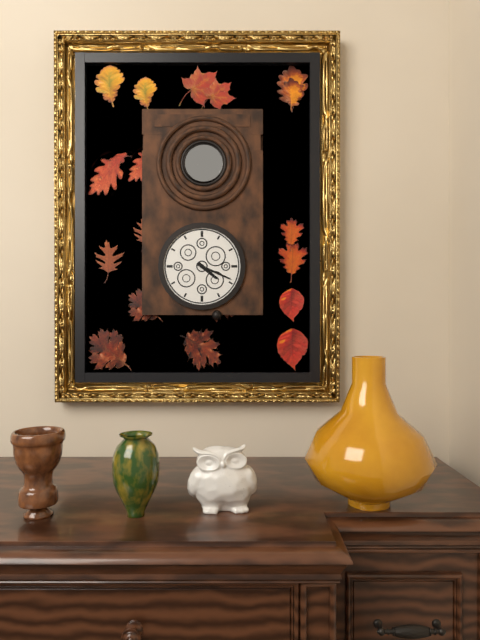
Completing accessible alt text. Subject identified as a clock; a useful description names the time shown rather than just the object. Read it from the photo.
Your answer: 4:19
